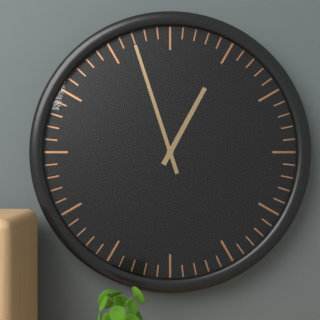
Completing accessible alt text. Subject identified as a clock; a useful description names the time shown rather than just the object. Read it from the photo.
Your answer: 12:57
